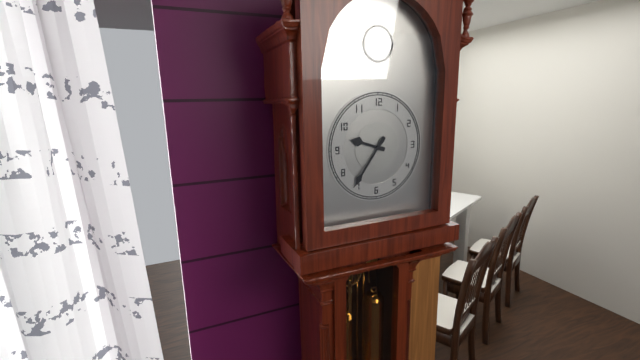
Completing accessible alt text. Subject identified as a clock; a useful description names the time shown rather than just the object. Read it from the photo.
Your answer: 9:36
